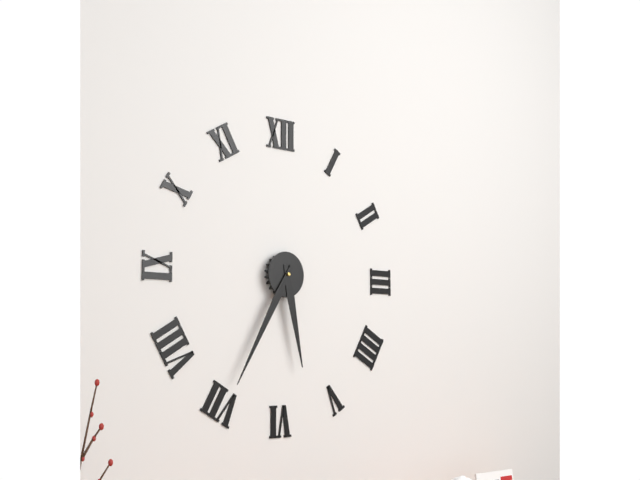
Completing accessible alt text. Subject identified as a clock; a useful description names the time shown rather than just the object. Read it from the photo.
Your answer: 5:35
